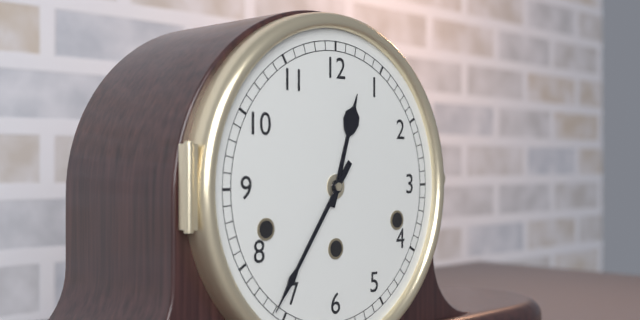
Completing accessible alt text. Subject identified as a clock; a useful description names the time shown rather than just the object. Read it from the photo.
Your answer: 12:36
